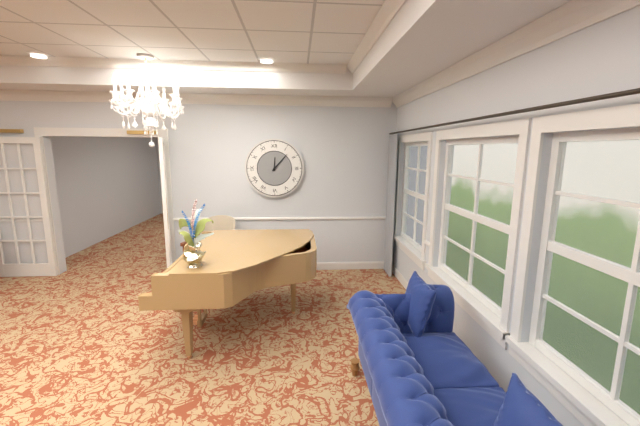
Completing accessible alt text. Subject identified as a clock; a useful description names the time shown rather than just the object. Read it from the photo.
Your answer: 12:07
